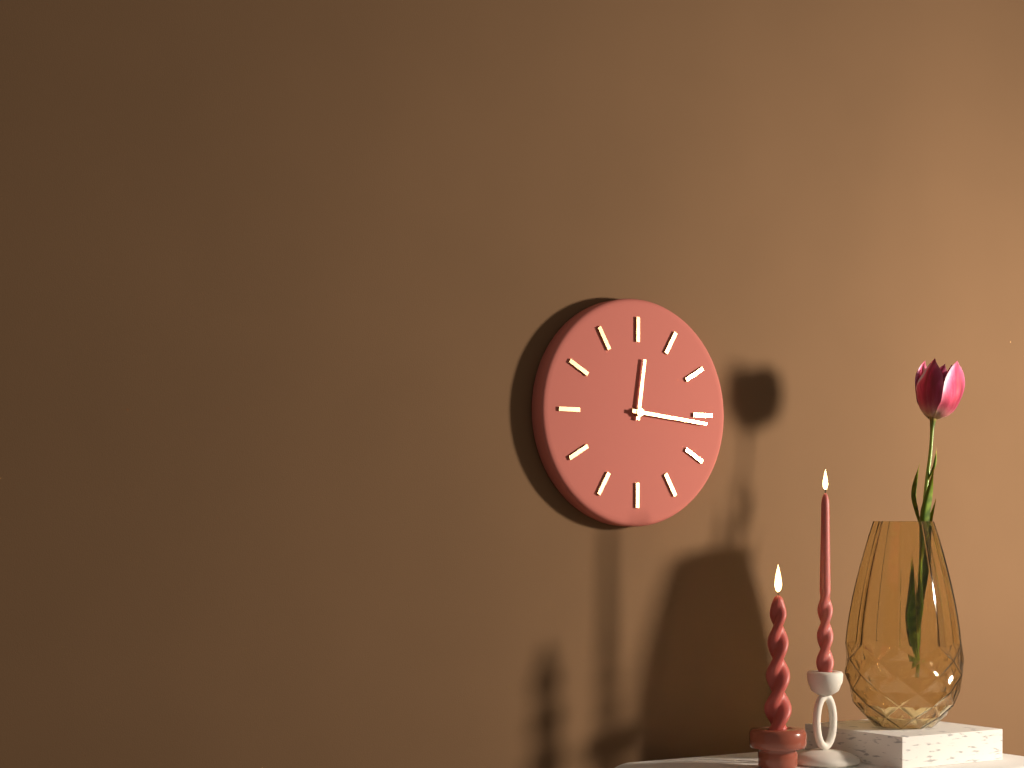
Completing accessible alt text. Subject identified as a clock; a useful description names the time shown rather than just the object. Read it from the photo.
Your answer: 12:16
